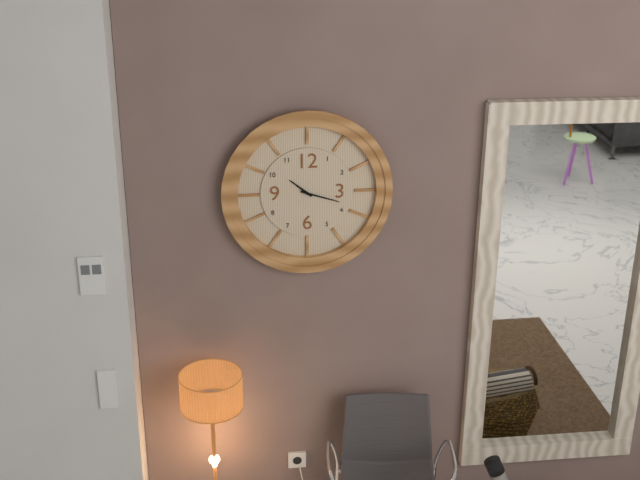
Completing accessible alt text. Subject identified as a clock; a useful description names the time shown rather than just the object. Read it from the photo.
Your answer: 10:18
